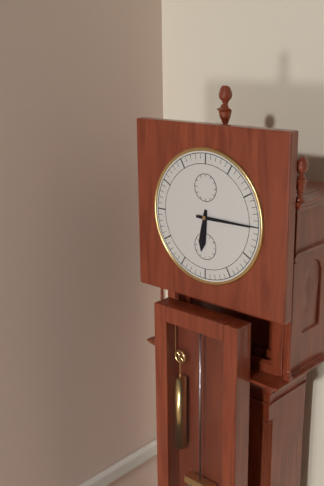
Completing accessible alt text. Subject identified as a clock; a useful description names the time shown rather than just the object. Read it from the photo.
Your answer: 6:15
